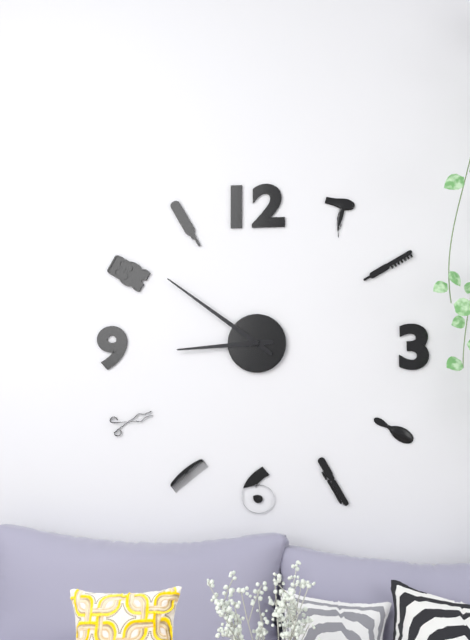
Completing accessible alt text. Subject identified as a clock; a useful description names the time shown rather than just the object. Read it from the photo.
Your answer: 8:51
